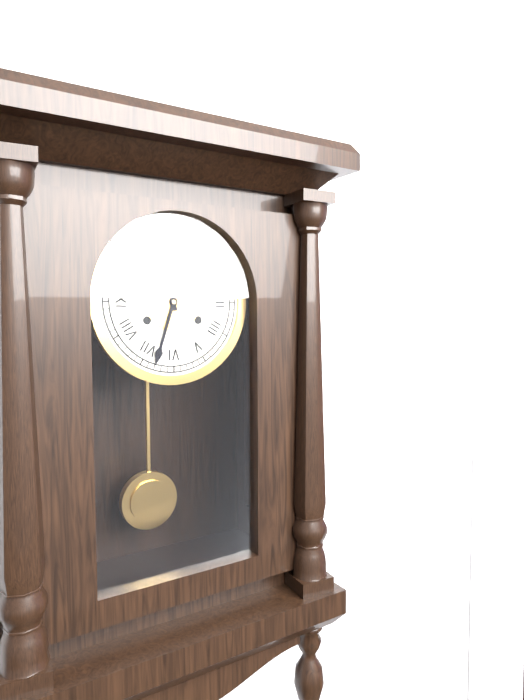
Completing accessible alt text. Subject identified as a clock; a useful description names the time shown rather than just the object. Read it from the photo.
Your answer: 11:33
